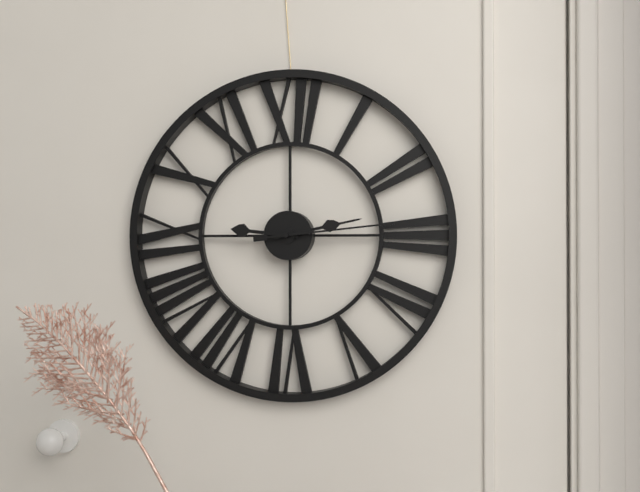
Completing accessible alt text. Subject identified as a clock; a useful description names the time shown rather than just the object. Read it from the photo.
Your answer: 9:13:14
